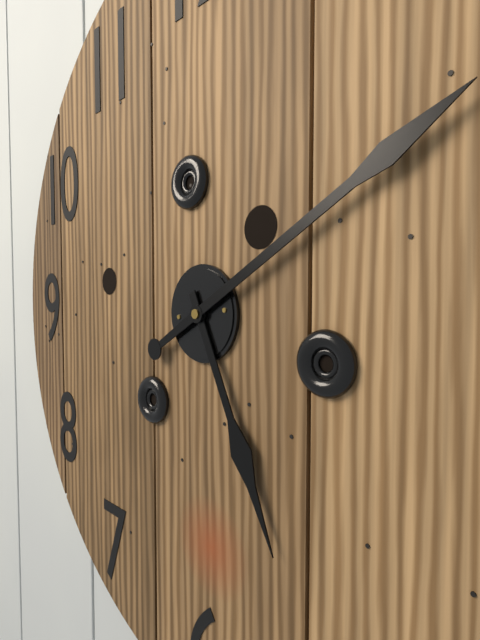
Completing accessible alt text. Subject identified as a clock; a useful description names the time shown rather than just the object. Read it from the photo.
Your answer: 5:10
